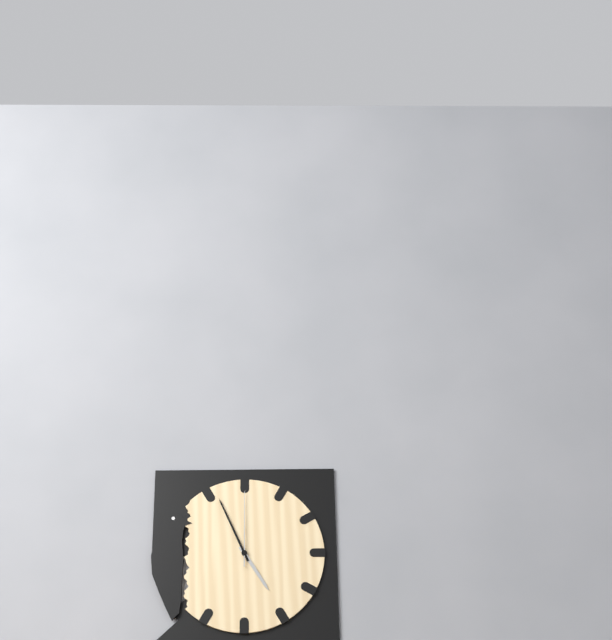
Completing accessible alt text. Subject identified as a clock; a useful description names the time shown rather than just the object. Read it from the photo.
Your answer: 4:56:00
